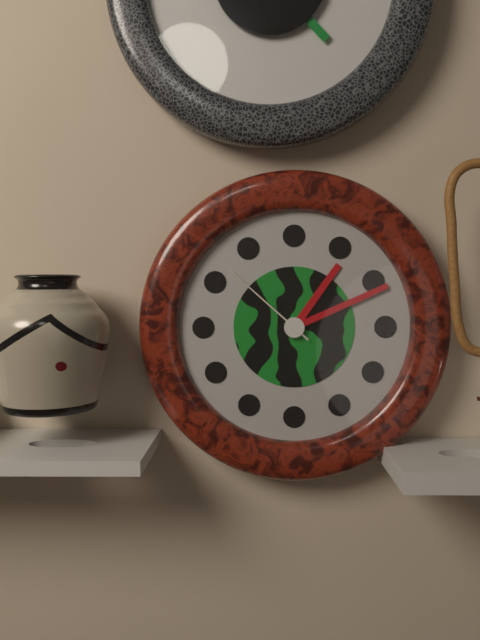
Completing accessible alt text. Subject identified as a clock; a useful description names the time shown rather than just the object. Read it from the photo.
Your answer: 1:11:52
